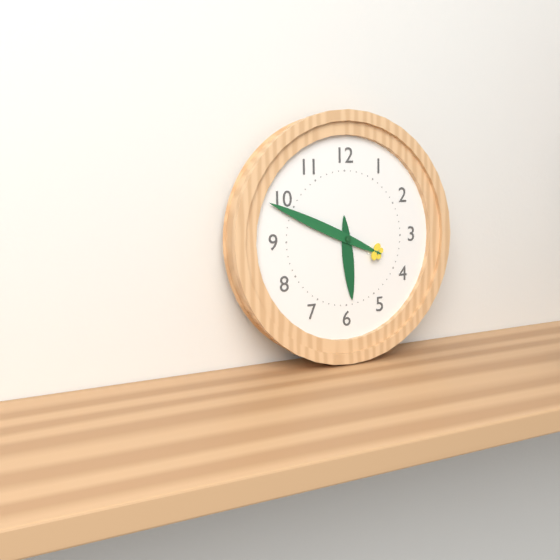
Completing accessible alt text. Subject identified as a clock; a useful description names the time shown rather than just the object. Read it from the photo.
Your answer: 5:49
